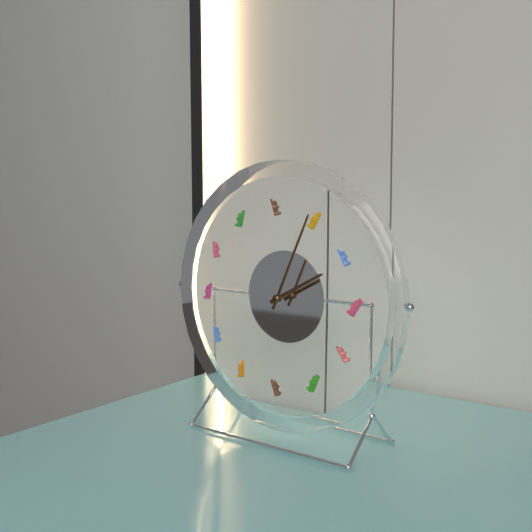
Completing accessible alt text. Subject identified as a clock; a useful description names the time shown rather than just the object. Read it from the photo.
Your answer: 2:04
